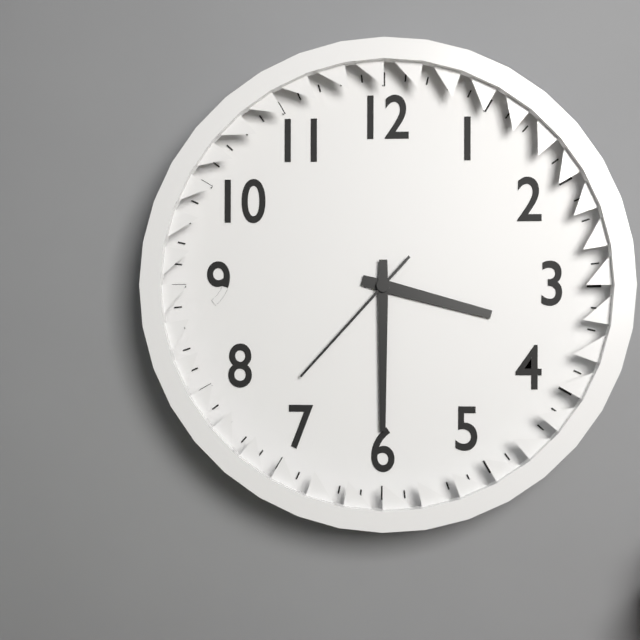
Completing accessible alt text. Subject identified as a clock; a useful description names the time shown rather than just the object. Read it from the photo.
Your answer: 3:30:37
